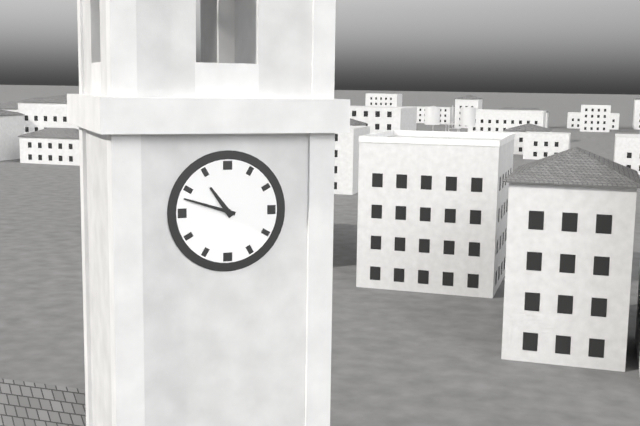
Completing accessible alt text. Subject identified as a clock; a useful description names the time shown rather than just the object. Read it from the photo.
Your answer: 10:48
